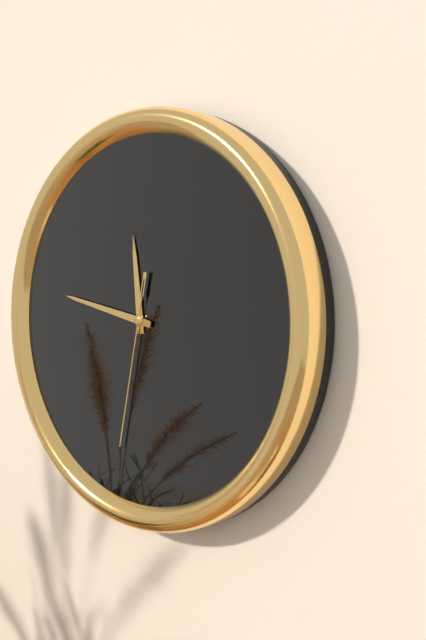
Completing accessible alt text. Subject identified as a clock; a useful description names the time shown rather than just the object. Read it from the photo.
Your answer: 11:47:32
